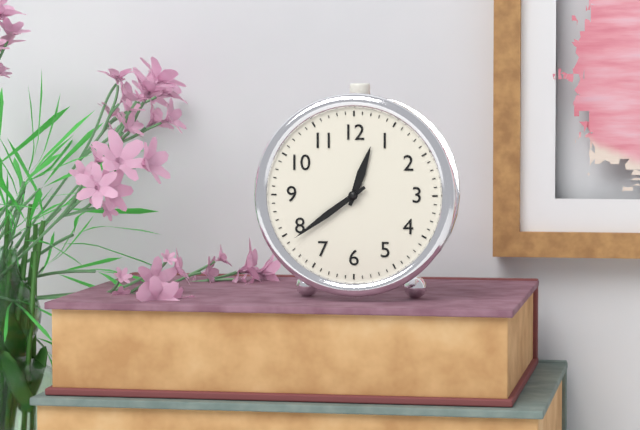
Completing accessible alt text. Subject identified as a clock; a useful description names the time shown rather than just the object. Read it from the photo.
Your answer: 12:39
